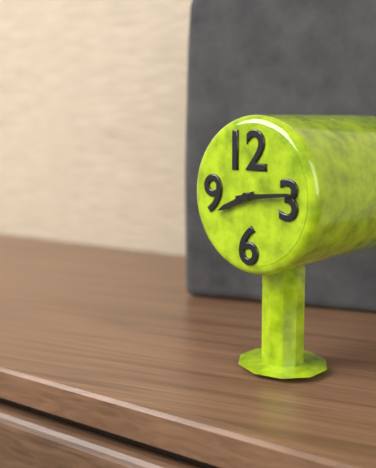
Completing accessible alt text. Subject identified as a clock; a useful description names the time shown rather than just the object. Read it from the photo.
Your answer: 8:14
